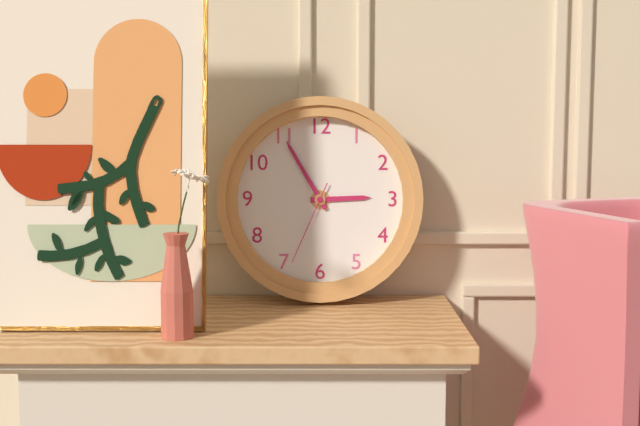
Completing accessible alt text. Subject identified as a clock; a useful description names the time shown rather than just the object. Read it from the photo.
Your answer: 2:55:34
